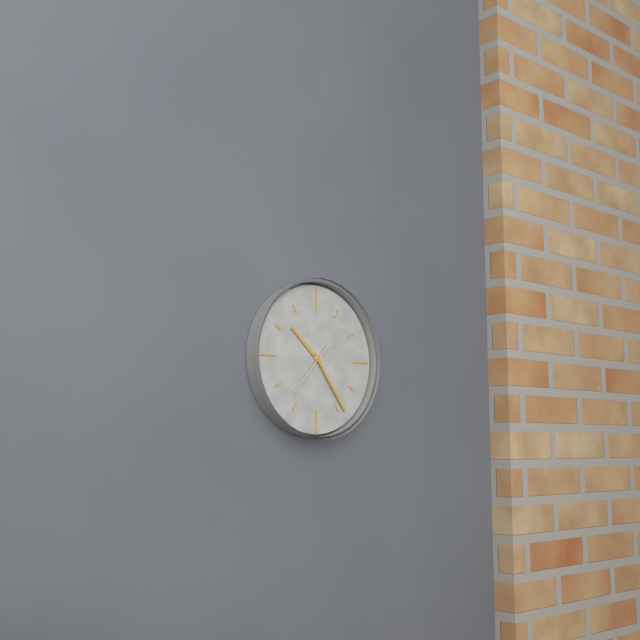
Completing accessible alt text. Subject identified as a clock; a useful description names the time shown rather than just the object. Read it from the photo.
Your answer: 10:24:37
